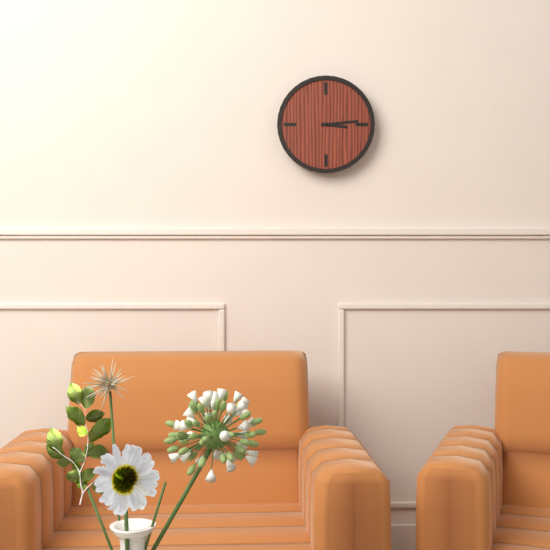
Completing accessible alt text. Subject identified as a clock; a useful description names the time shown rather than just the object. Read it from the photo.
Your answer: 3:14
